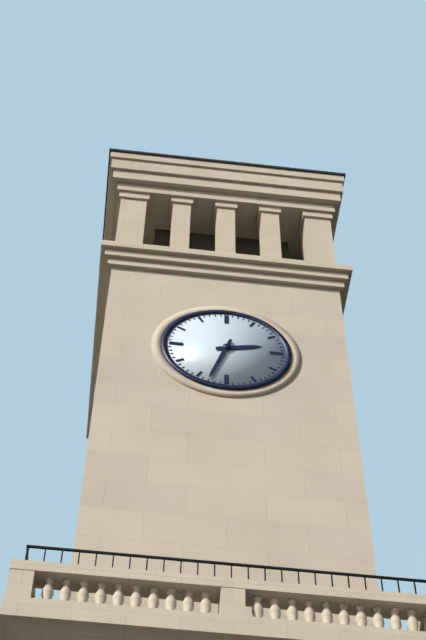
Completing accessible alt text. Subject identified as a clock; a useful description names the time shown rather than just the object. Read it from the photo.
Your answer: 2:33
